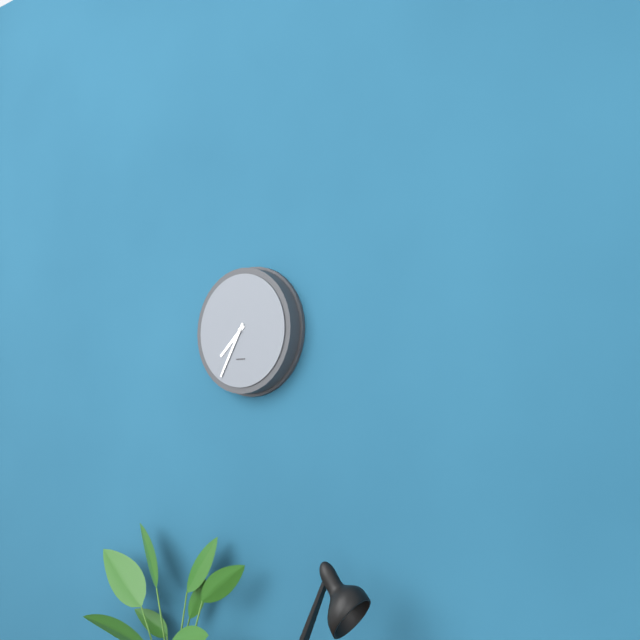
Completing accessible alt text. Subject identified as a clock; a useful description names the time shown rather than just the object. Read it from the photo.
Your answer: 7:35
